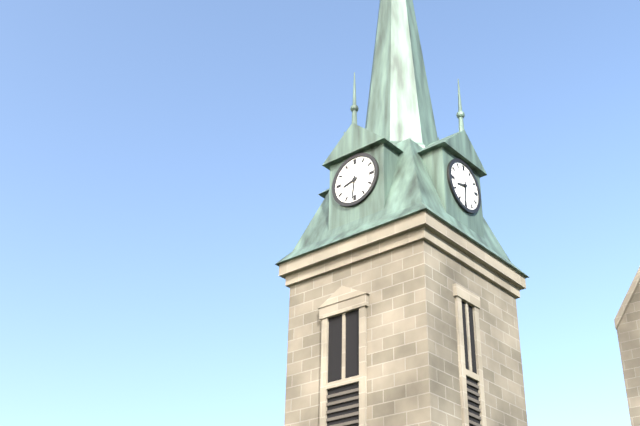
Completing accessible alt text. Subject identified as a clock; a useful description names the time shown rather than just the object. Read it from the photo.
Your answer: 8:31
